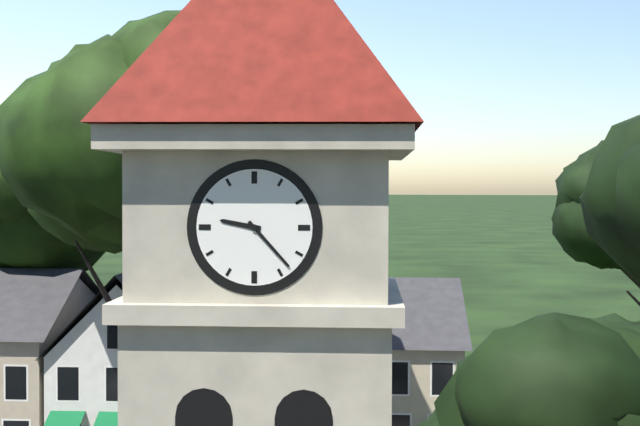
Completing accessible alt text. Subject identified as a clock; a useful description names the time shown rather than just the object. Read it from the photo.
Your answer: 9:23
